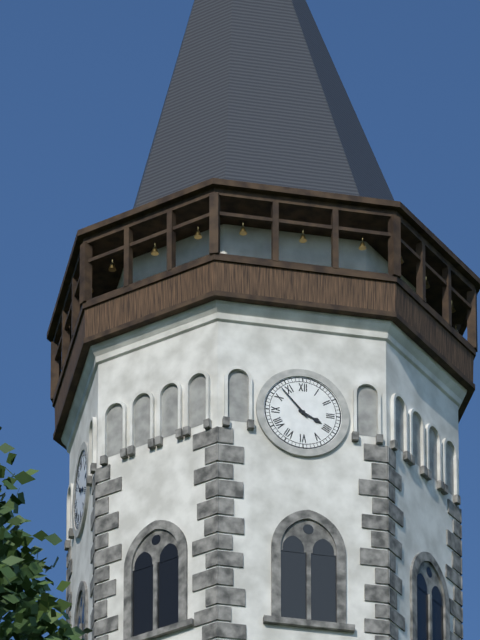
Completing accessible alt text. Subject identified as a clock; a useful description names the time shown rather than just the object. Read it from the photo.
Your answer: 3:53
